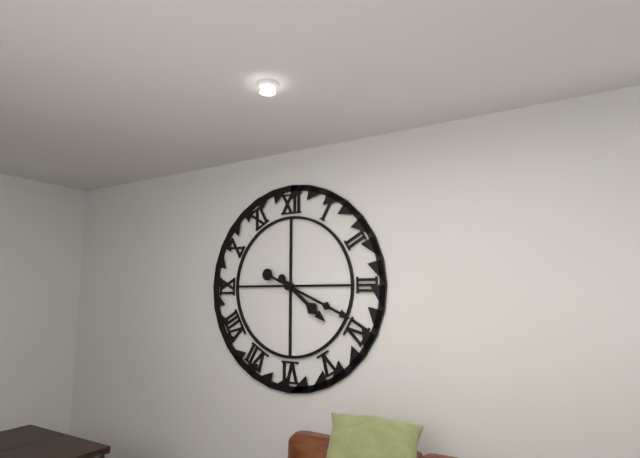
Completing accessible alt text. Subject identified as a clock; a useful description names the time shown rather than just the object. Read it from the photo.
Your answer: 4:19
